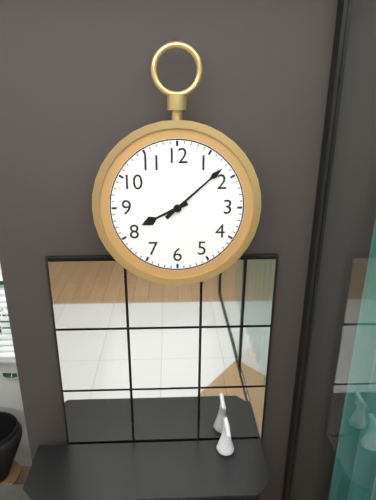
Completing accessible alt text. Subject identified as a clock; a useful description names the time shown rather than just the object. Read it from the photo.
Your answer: 8:08
